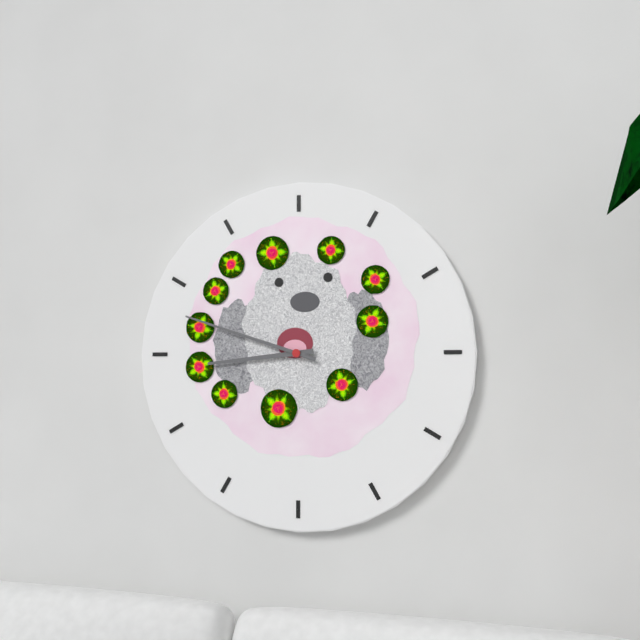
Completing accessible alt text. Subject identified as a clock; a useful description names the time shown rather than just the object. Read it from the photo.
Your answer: 8:48
